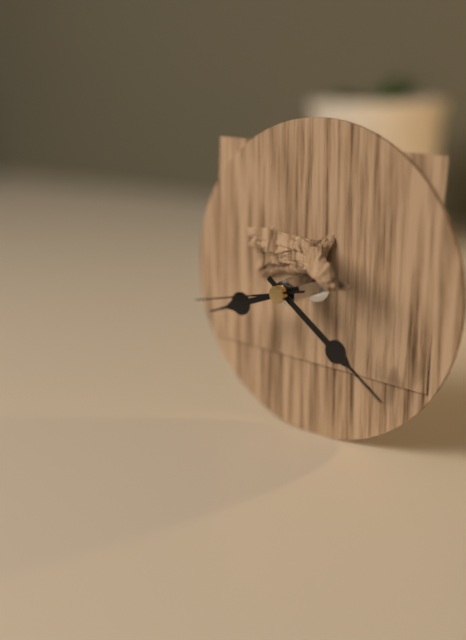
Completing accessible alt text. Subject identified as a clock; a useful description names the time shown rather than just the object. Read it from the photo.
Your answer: 8:21:43
